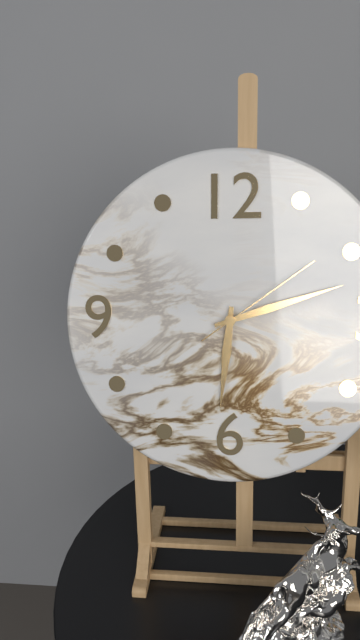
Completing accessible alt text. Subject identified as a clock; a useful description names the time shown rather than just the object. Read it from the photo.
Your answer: 6:12:09
